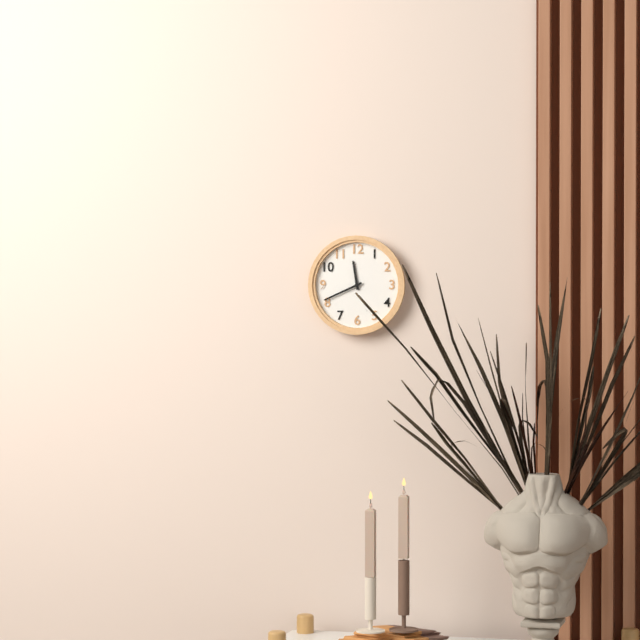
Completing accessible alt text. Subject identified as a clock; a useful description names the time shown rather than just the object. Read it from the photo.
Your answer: 11:41
